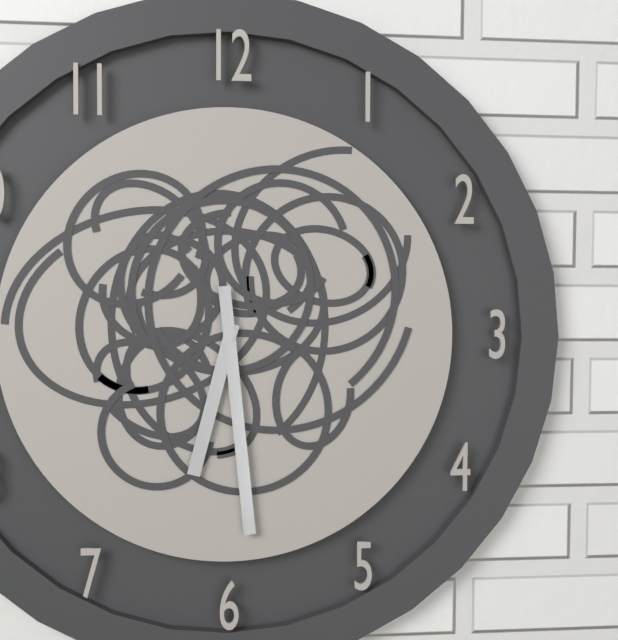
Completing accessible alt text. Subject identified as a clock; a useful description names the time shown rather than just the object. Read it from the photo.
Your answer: 6:29
